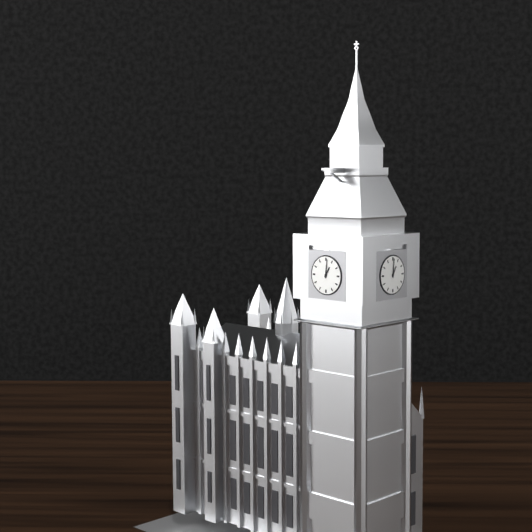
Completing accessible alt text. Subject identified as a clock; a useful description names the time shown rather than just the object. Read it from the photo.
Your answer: 1:01
